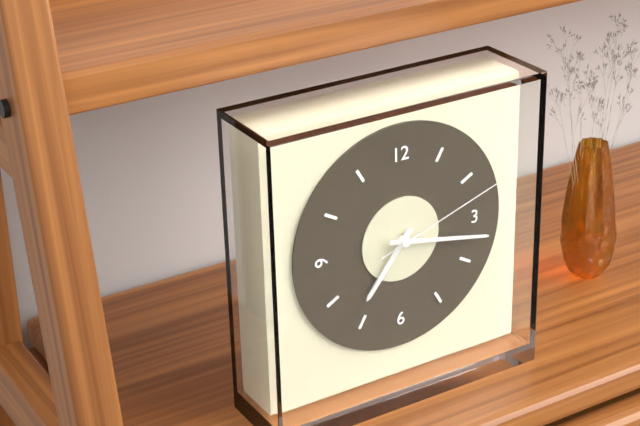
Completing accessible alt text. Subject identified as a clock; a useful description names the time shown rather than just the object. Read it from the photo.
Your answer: 7:17:12
